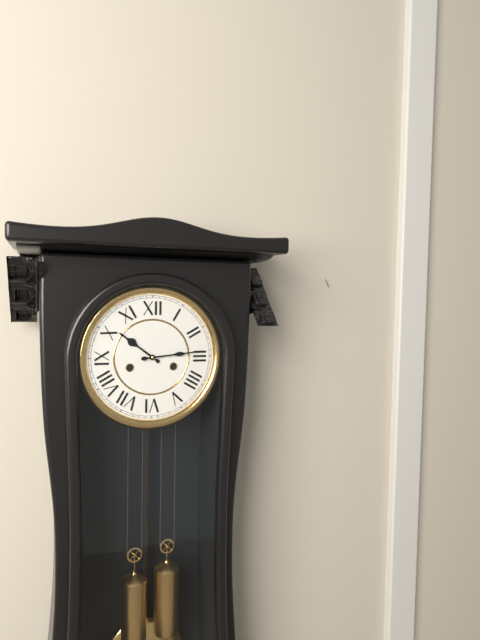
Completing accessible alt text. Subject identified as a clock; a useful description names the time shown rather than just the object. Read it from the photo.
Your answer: 10:14
